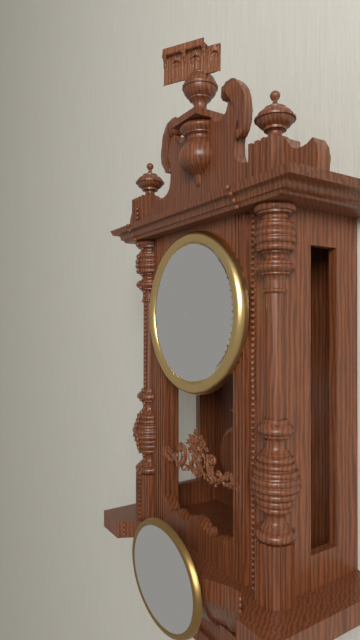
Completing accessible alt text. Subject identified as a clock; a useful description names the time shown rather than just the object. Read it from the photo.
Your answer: 1:24
